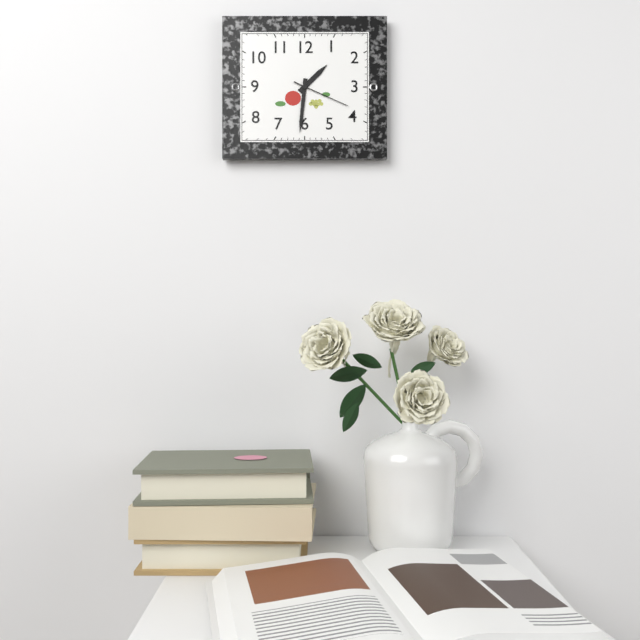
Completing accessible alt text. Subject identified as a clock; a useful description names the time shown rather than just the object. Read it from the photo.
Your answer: 1:31:19
